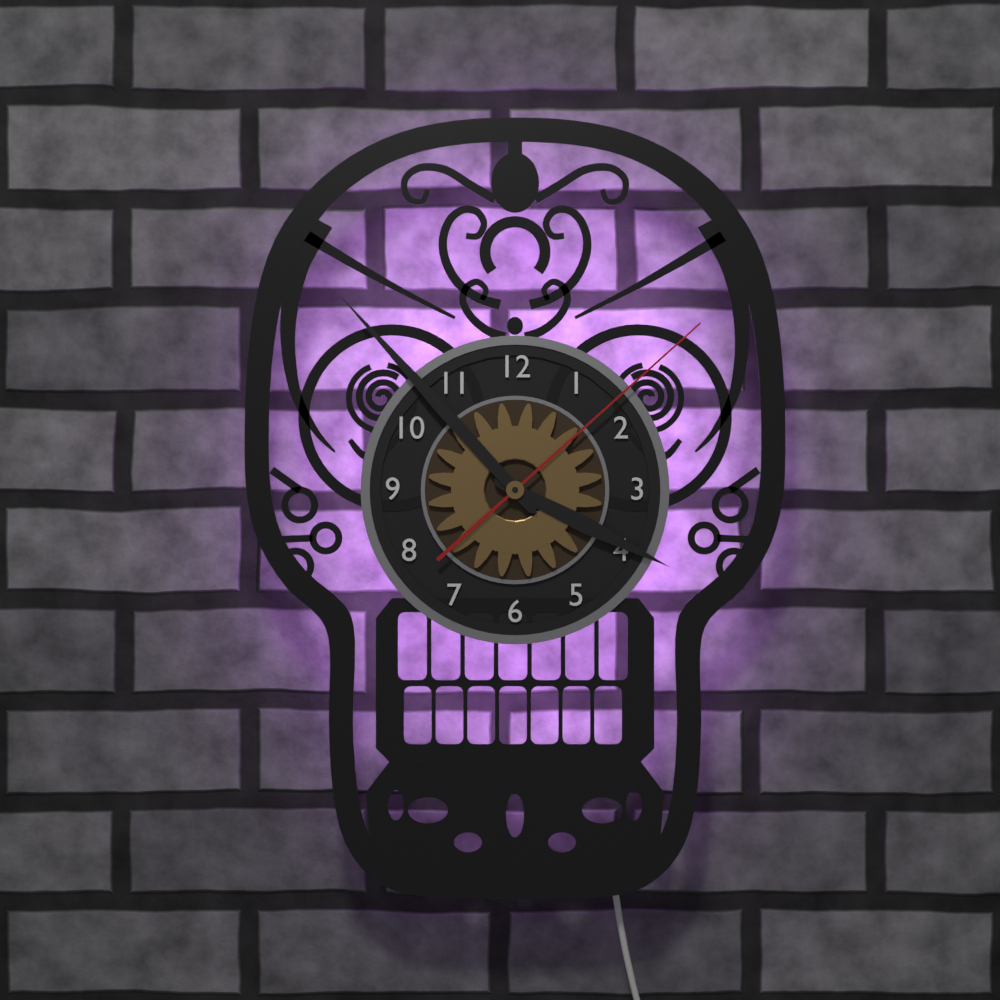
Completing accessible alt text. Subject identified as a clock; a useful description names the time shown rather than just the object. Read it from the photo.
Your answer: 3:53:08
